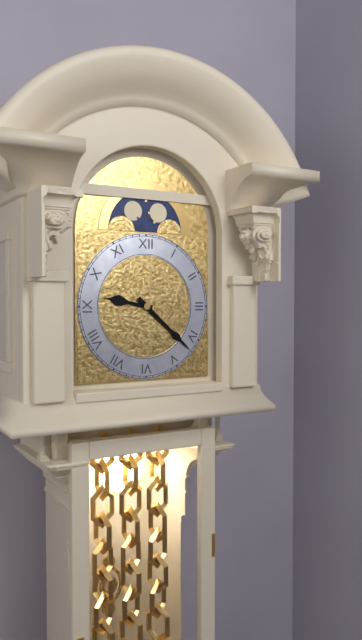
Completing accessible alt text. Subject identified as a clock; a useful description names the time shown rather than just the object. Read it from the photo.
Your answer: 9:22
